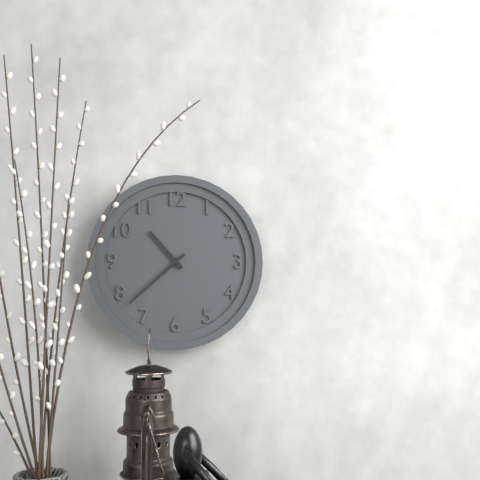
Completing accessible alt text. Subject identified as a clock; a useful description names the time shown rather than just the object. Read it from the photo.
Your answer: 10:38
